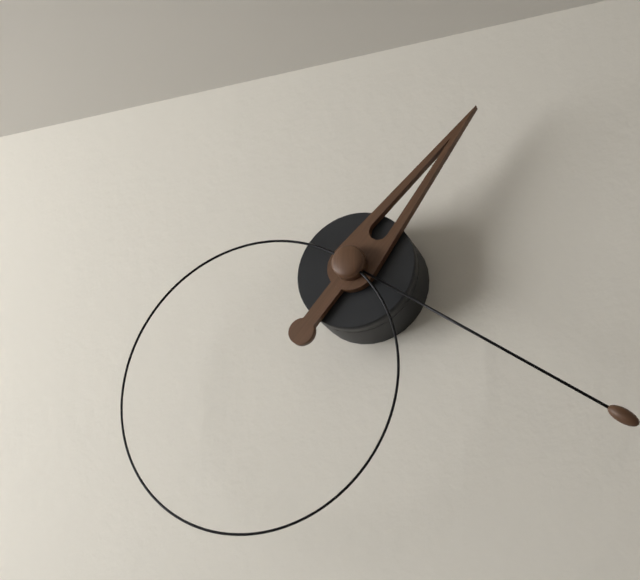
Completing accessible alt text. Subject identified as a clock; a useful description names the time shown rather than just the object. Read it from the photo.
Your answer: 1:21:37
